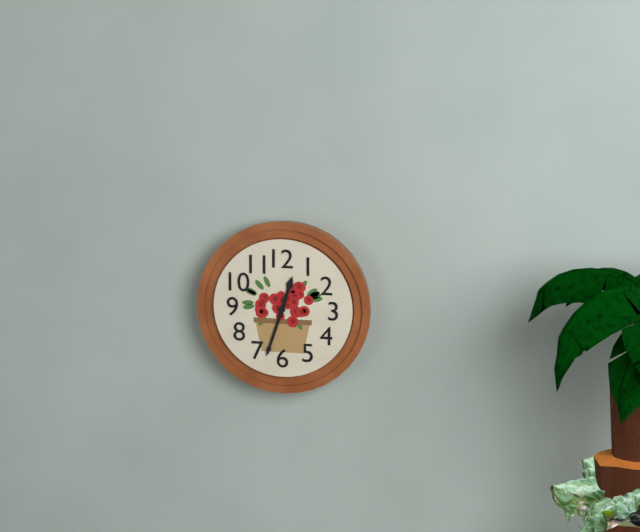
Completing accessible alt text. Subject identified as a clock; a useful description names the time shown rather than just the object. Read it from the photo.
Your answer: 12:33
